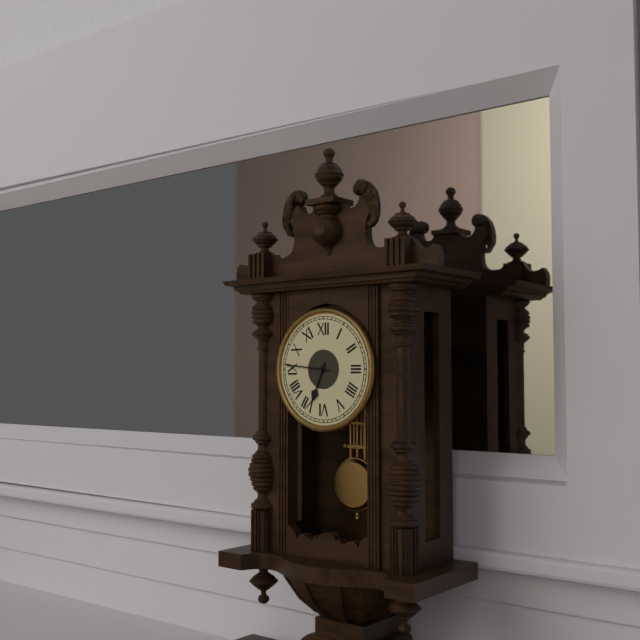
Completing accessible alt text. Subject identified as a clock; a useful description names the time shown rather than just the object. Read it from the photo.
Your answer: 6:46
